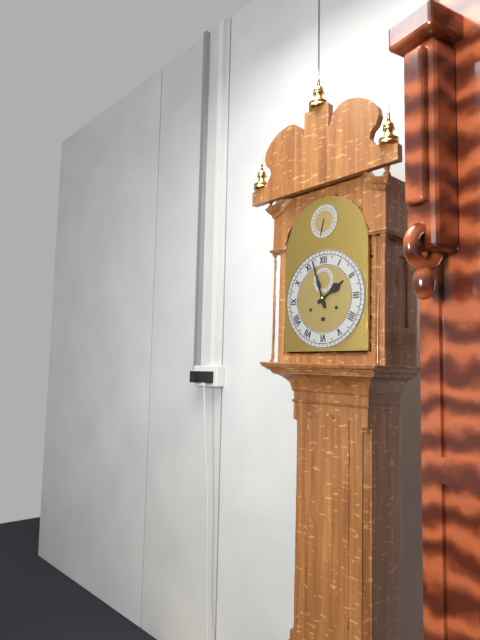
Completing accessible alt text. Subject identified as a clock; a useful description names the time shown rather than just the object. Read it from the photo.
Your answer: 1:57
